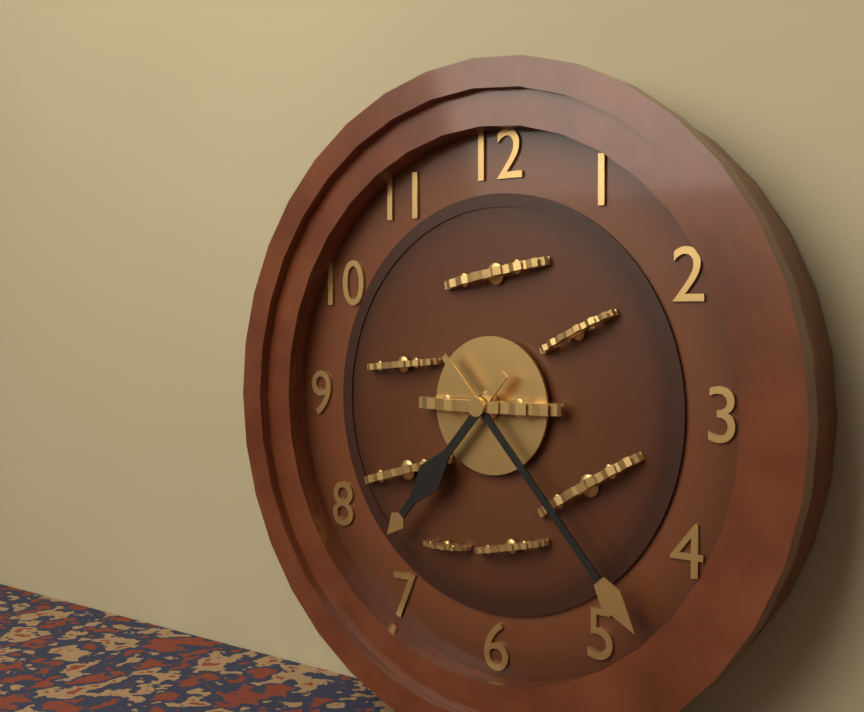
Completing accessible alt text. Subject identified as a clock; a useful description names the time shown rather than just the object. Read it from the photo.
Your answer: 7:23
